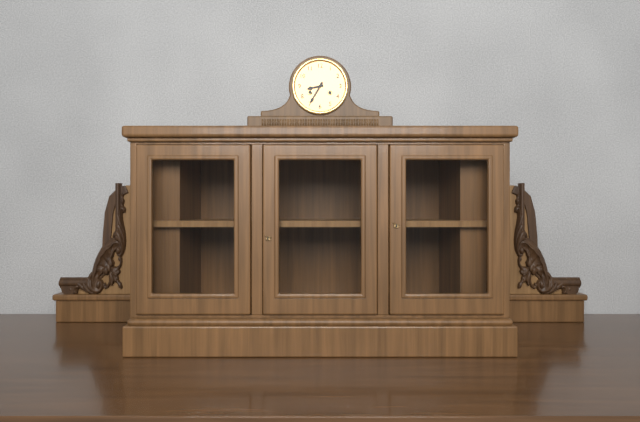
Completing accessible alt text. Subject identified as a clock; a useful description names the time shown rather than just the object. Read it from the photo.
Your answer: 8:35
